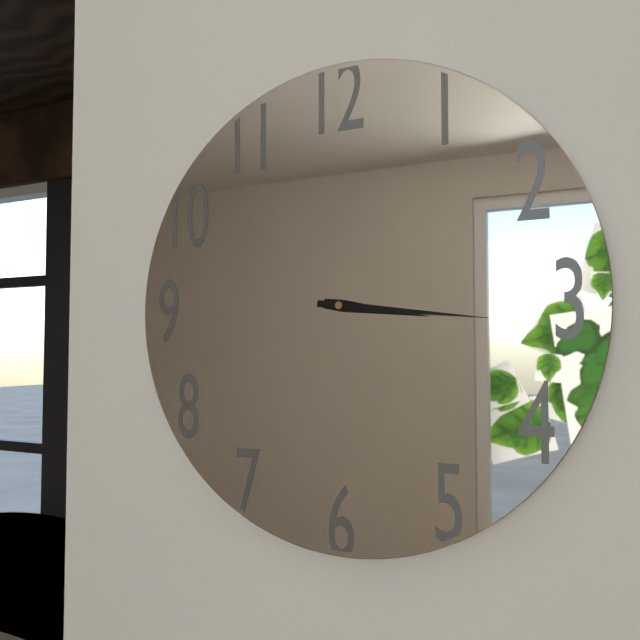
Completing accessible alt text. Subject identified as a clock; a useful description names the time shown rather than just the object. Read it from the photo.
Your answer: 3:16
